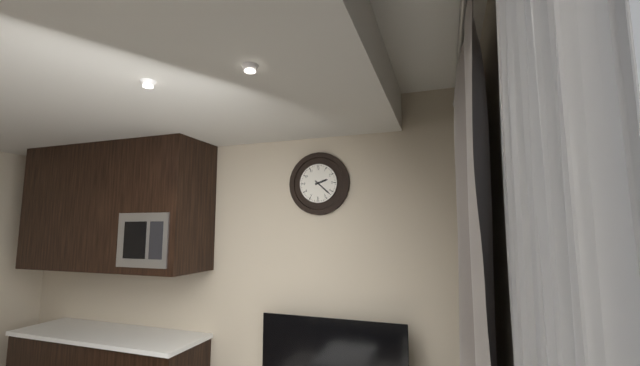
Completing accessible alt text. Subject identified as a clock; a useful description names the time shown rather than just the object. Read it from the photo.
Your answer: 2:22
